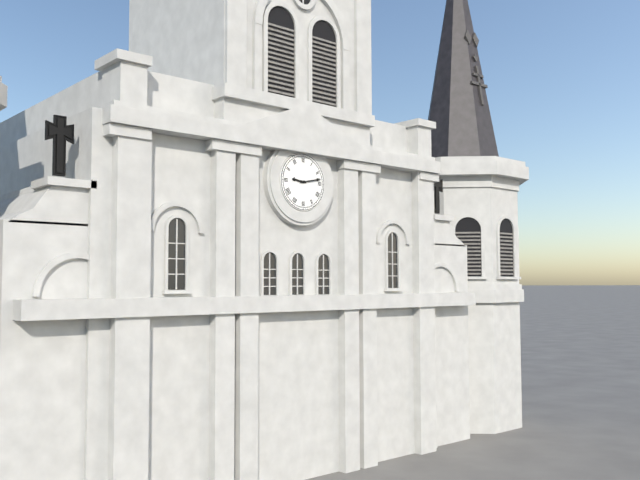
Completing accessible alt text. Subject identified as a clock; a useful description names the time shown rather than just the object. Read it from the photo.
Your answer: 9:13
